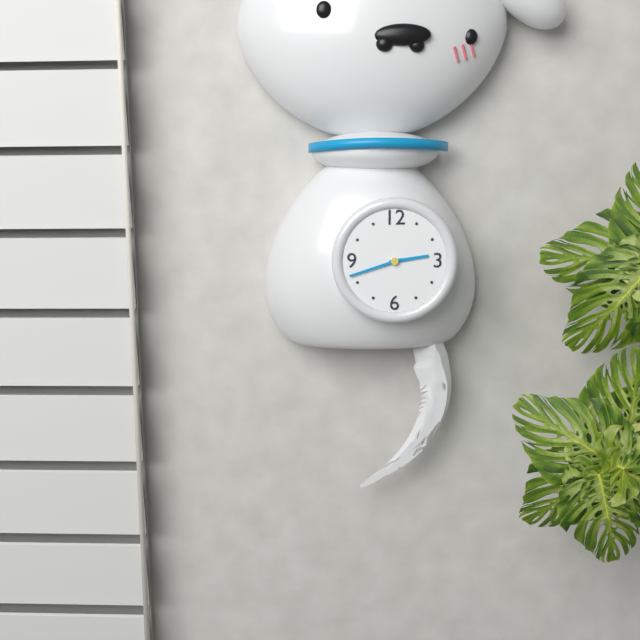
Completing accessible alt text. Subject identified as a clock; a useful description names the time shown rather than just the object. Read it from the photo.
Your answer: 2:42
